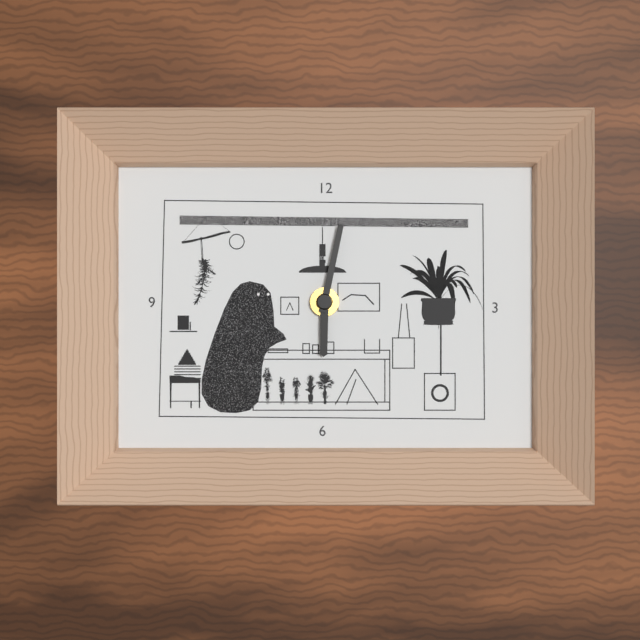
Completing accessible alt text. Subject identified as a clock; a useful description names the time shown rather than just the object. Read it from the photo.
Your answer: 6:02
